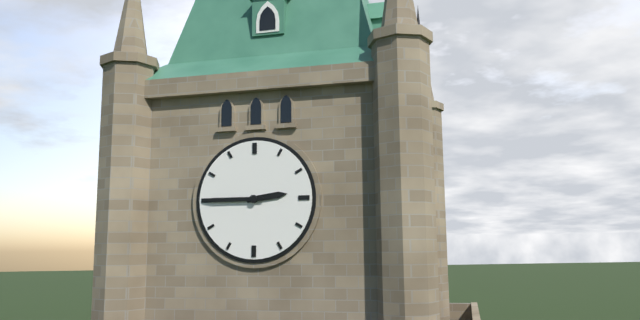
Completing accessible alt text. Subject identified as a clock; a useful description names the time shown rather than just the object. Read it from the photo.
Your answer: 2:45
